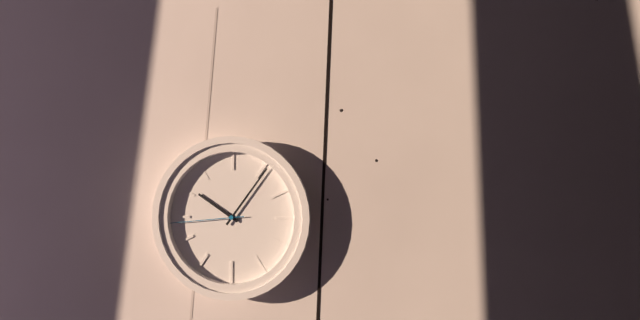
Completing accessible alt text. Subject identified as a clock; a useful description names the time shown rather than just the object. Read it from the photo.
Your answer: 10:06:44
